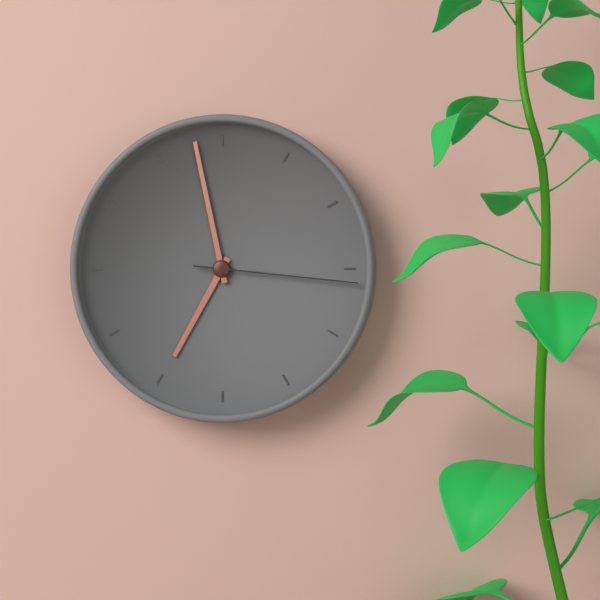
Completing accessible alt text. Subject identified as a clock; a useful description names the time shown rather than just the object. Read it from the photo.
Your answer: 6:58:16
